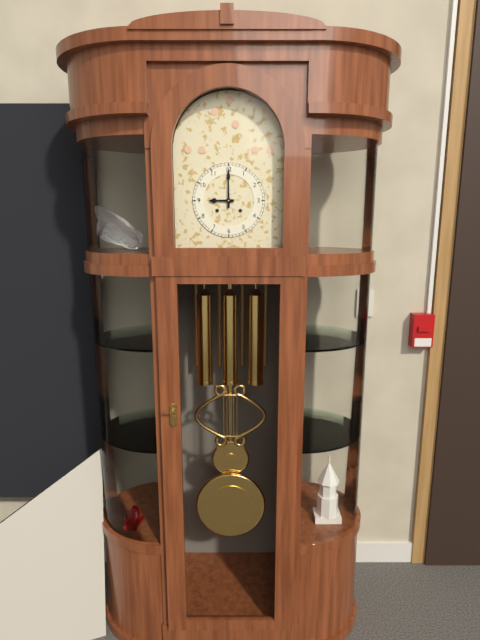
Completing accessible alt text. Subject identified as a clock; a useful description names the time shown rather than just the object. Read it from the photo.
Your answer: 9:00
